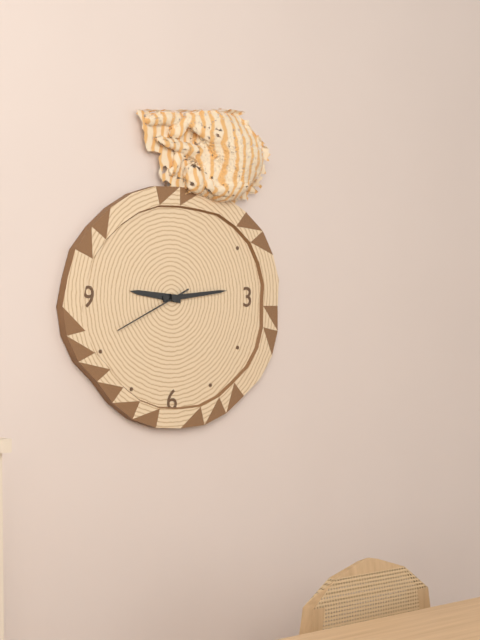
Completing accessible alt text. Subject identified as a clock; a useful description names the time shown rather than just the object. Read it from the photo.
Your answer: 9:14:41
